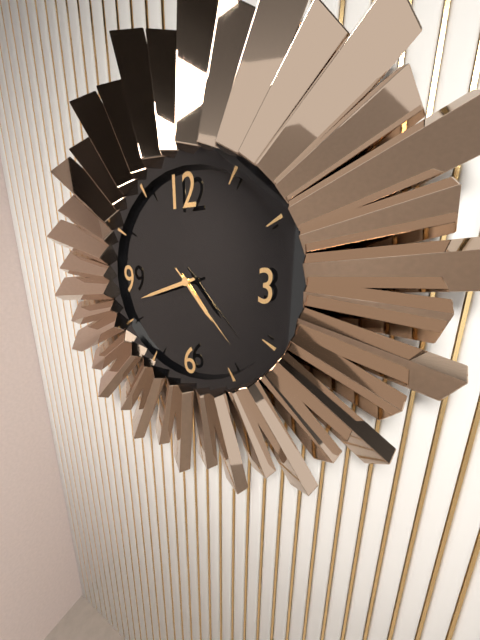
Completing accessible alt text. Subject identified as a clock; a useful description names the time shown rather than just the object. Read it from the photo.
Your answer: 4:42:23
